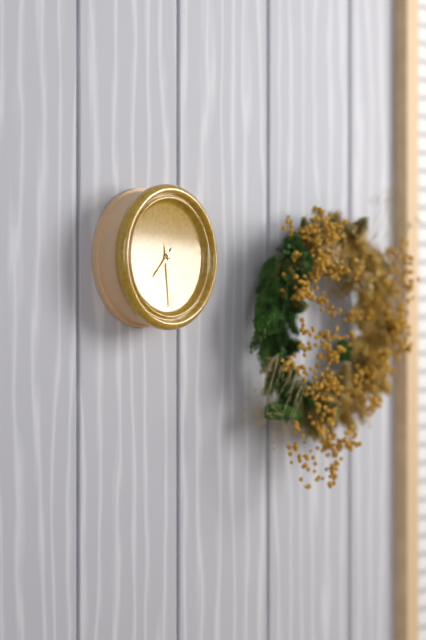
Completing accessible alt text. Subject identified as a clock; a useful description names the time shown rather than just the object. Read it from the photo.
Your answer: 7:29
